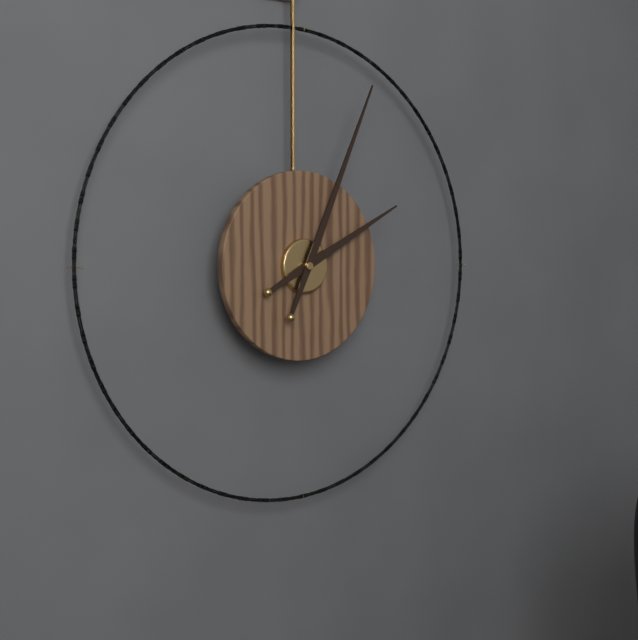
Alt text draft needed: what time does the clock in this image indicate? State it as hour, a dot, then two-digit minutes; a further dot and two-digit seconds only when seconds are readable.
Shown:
2.04
